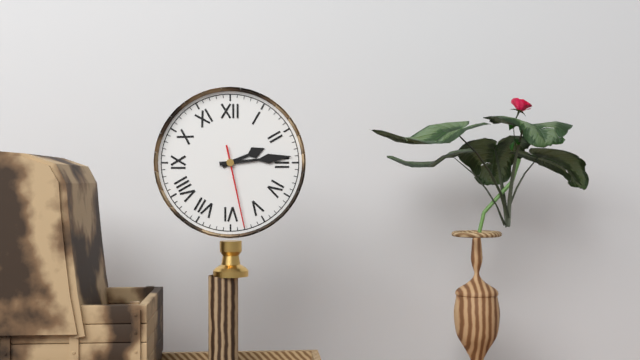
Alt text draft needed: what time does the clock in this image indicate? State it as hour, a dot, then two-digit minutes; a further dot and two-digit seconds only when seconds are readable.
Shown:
2.14.28
